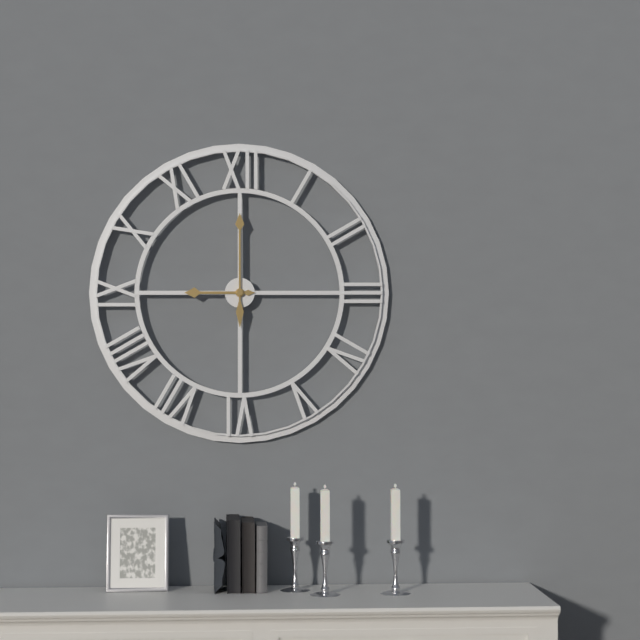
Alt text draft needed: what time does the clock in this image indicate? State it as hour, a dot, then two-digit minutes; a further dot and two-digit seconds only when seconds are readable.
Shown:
9.00
